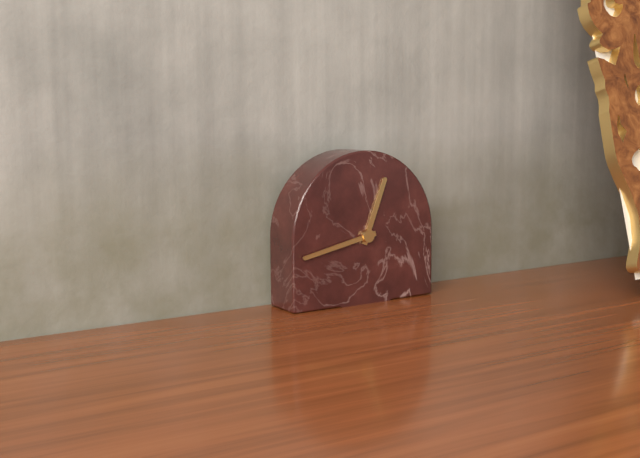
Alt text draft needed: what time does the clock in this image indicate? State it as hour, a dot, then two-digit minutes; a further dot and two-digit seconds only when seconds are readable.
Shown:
12.43
